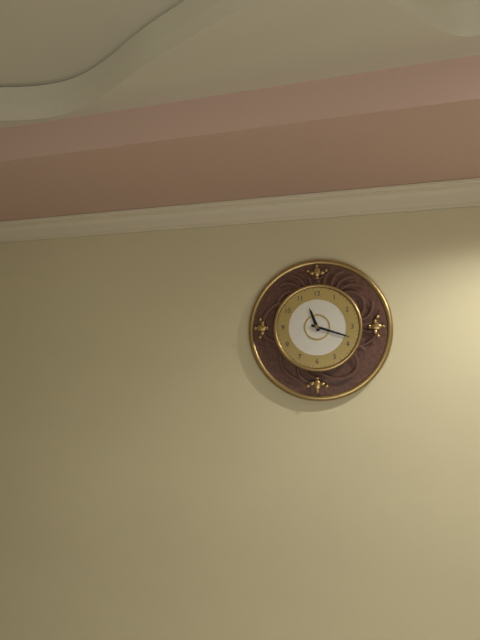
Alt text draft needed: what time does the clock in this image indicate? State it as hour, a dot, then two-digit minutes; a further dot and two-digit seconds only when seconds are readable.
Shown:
11.18
